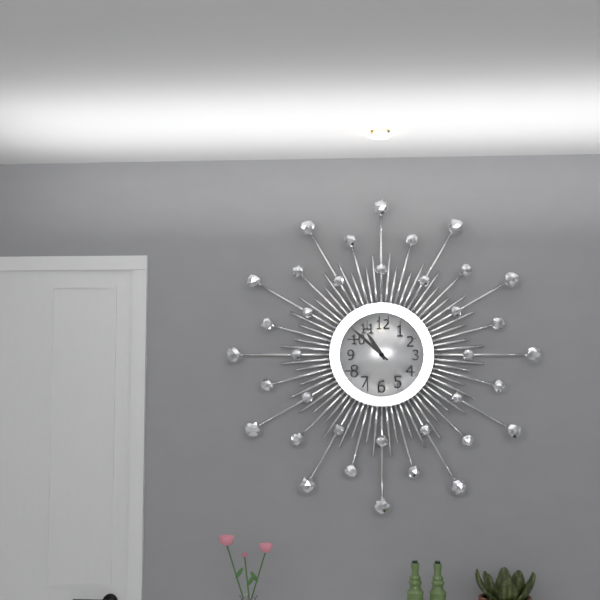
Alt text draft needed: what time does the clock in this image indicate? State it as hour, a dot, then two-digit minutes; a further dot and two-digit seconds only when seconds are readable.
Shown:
10.52
